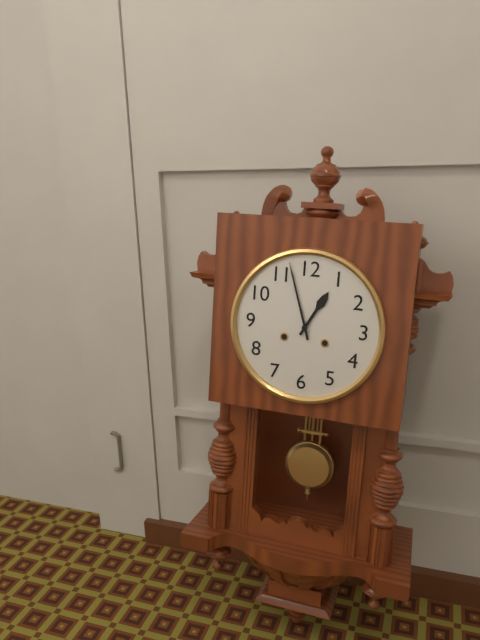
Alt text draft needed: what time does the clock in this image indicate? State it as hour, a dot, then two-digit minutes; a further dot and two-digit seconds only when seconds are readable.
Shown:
12.57
